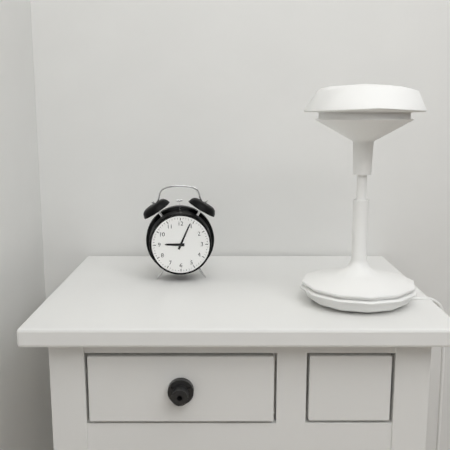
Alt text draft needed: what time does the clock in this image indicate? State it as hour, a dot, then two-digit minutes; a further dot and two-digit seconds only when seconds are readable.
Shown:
9.04
